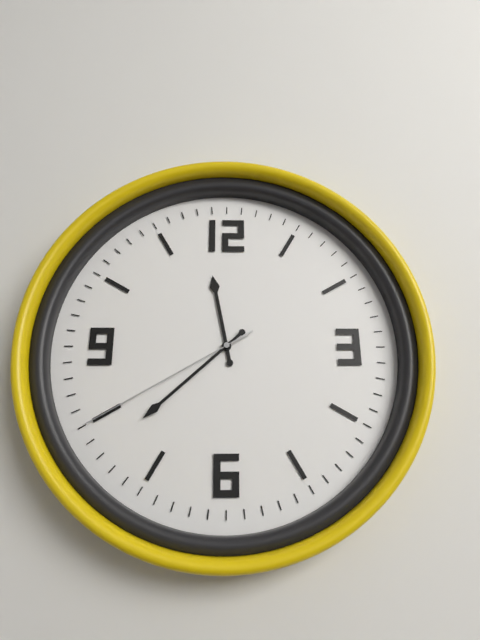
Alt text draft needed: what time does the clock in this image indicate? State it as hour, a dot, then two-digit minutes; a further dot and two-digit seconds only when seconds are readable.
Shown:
11.38.40
